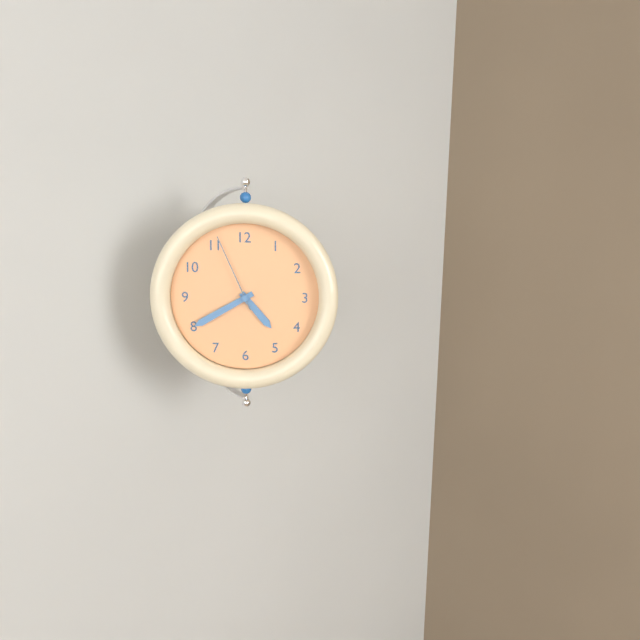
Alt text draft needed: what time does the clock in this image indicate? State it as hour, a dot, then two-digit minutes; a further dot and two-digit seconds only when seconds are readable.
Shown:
4.40.56
